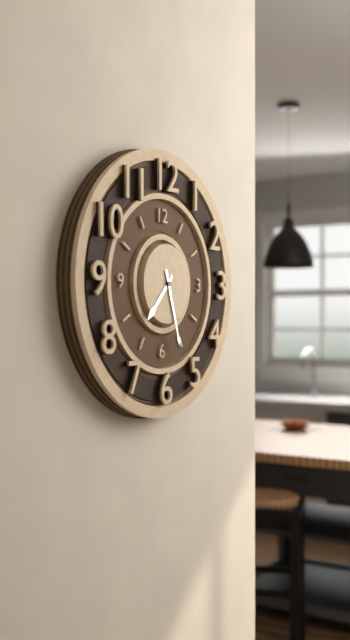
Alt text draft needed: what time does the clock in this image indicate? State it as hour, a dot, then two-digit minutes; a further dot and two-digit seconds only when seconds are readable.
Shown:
7.27
